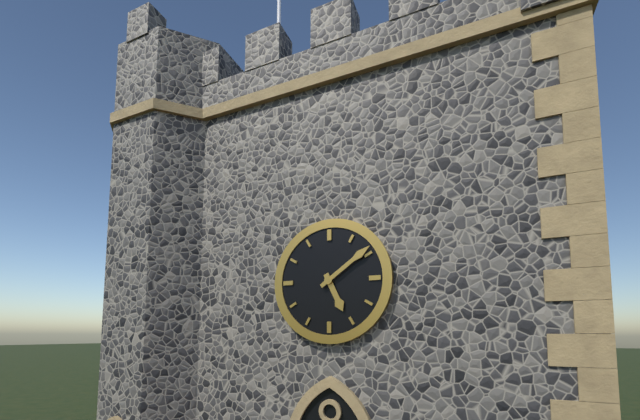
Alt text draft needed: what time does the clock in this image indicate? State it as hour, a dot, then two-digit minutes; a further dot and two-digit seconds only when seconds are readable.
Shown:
5.09
